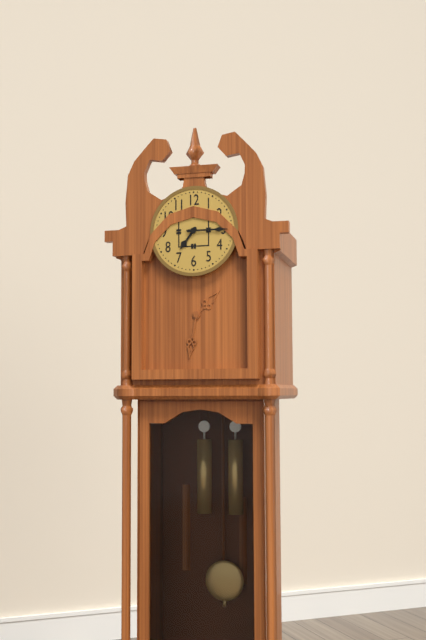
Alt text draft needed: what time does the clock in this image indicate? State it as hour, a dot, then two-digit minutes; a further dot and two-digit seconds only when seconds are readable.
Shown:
7.15
